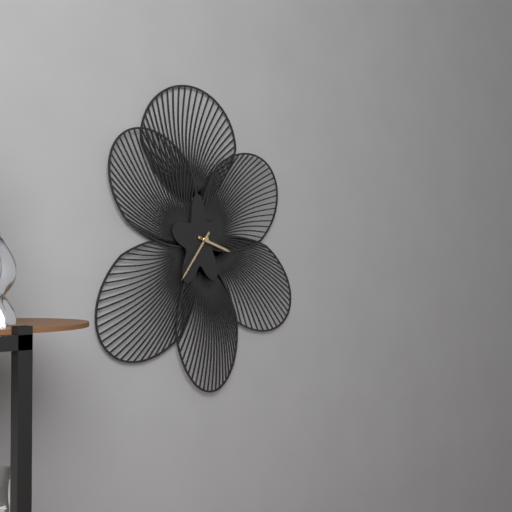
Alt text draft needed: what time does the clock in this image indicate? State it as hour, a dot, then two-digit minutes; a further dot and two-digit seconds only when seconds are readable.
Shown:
3.36
